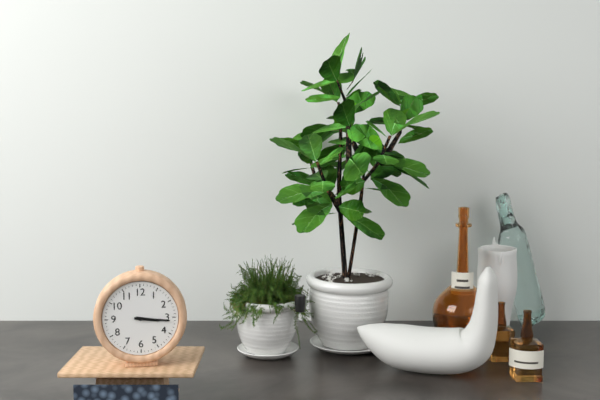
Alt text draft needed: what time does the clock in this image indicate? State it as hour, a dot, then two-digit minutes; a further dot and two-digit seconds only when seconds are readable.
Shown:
3.16
